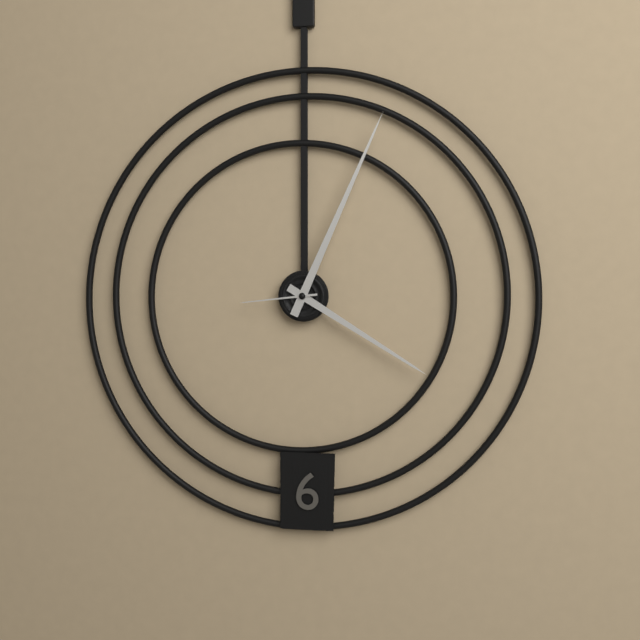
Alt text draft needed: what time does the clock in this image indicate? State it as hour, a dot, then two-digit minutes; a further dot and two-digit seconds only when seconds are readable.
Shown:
4.04.44
